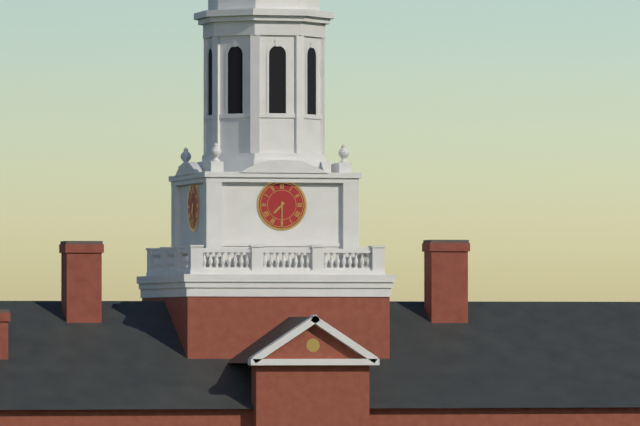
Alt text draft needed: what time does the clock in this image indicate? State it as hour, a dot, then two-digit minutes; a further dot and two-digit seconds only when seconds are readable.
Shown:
7.30
